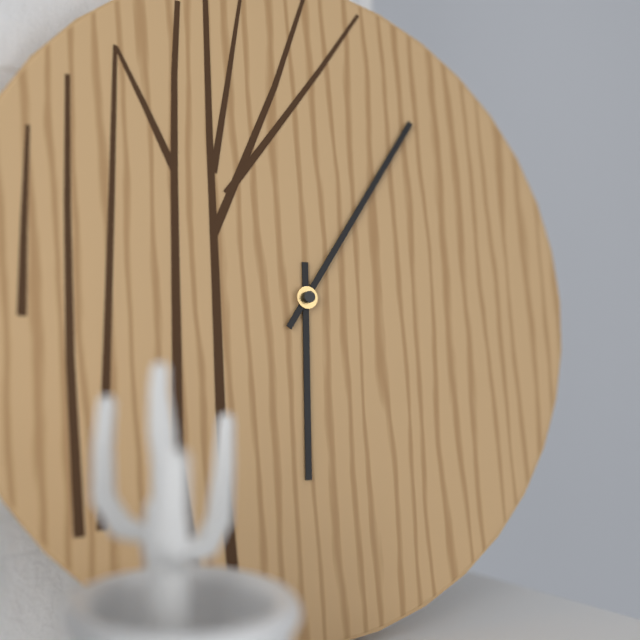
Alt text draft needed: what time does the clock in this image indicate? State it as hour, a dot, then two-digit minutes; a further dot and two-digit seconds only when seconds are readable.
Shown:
6.06
